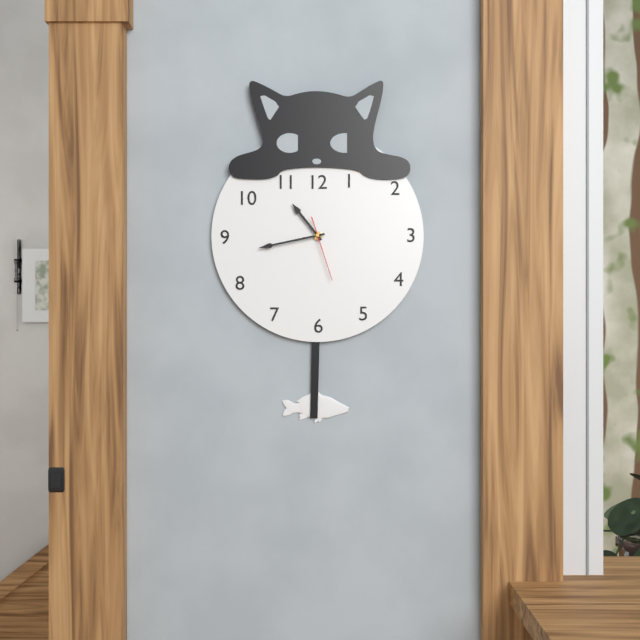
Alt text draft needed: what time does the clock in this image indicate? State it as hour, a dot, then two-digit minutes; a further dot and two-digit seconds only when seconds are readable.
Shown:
10.43.27
